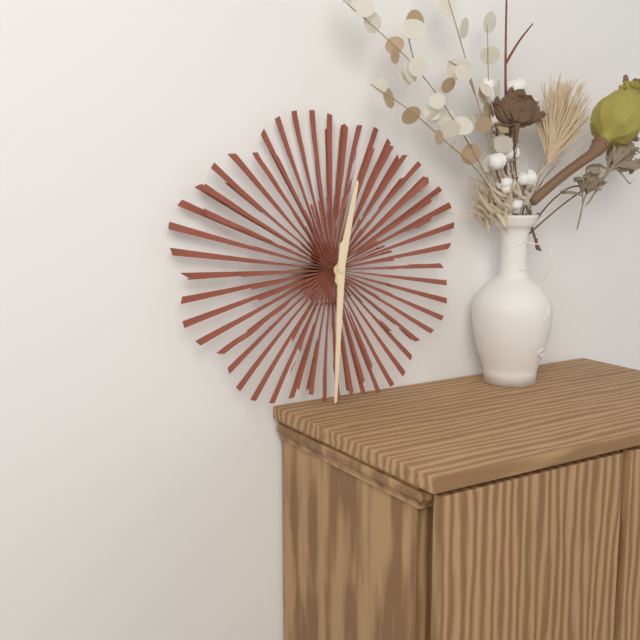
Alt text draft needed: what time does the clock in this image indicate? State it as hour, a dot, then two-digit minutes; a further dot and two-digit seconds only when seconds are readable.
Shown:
12.31
